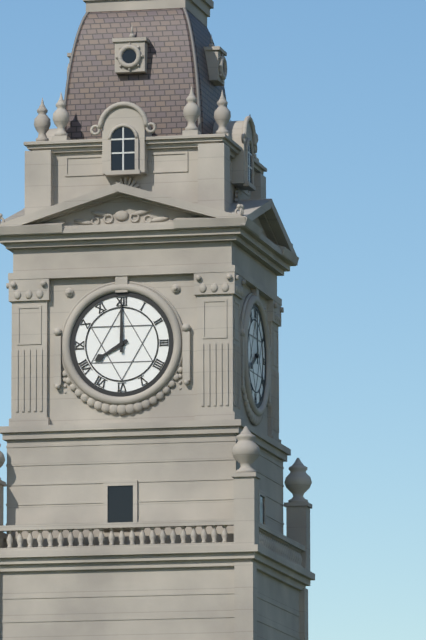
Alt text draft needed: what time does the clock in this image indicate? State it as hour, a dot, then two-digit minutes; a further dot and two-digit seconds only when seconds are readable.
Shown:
8.00
